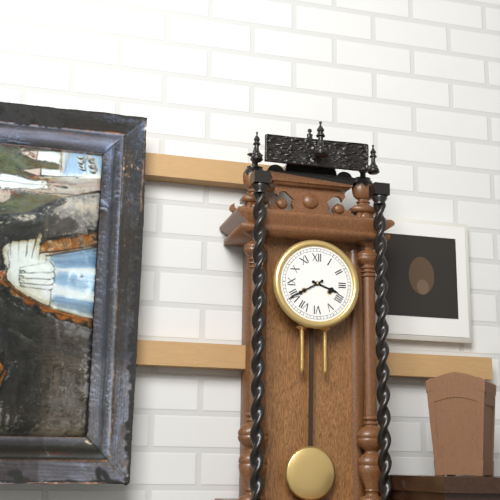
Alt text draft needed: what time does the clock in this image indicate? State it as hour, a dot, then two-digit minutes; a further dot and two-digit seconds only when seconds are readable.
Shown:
3.40
